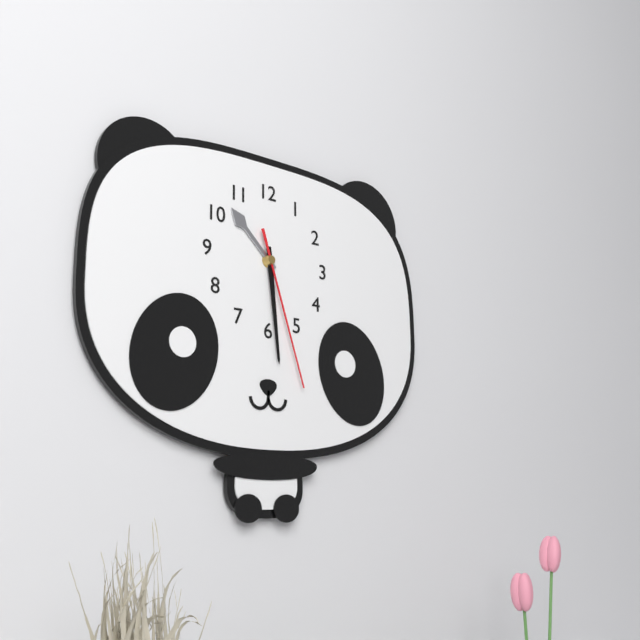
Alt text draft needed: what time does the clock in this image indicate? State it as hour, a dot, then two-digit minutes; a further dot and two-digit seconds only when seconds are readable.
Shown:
10.29.27
